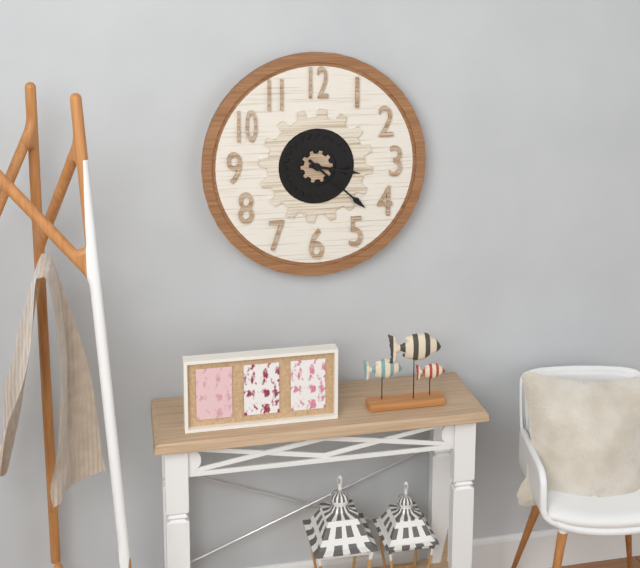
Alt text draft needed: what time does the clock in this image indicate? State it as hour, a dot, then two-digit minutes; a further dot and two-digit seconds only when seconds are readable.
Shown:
3.22
